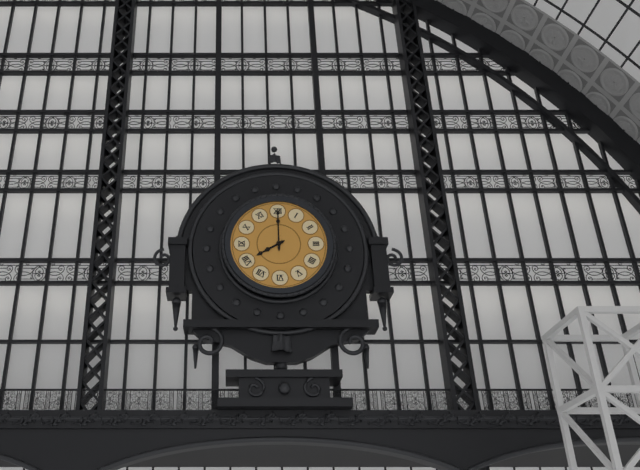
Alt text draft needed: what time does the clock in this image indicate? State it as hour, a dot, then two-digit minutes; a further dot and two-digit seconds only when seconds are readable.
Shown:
8.00
